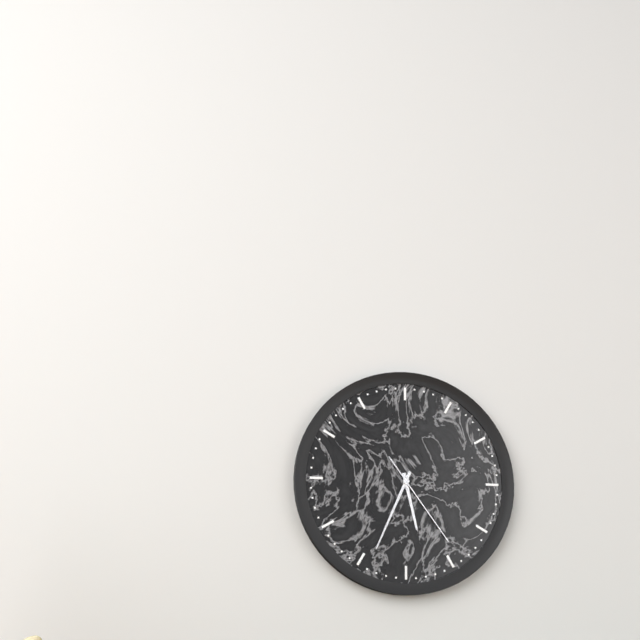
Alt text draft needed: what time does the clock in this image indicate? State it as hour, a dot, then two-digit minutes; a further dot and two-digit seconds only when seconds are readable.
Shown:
5.34.24
